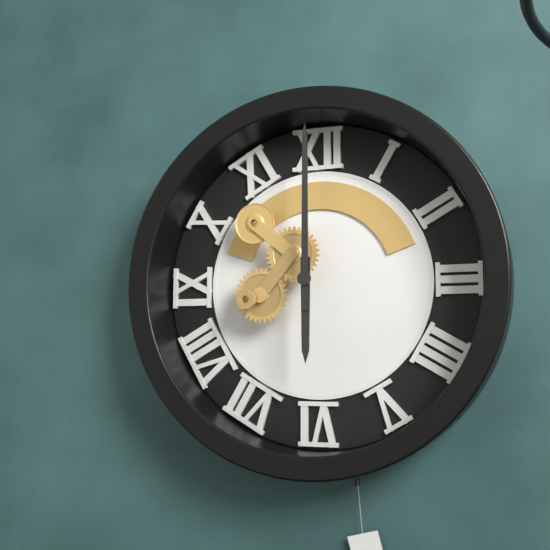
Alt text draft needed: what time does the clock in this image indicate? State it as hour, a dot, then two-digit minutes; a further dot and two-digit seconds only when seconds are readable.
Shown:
6.00
